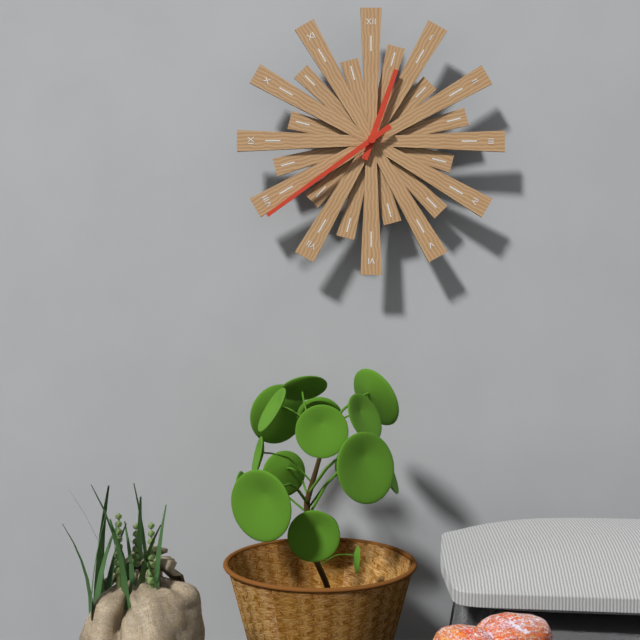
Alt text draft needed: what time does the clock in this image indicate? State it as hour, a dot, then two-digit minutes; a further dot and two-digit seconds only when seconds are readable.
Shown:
12.39
